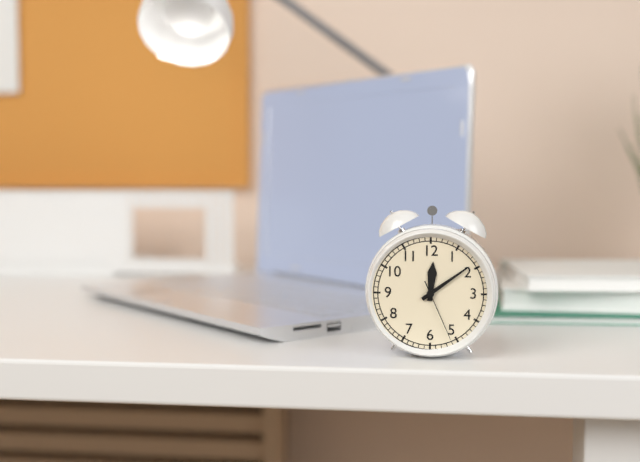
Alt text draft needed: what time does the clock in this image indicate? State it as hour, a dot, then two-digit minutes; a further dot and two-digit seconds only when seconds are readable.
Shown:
12.09.26
